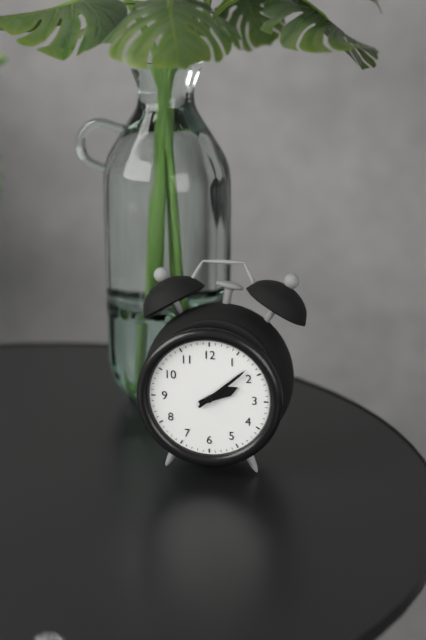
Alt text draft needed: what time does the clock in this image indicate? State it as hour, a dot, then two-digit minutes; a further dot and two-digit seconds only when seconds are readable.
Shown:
2.08
